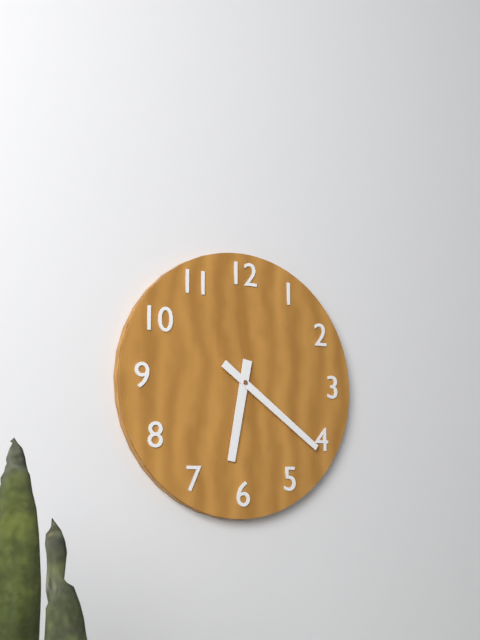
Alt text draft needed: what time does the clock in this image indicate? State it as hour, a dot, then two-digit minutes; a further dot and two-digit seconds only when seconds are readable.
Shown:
6.21
